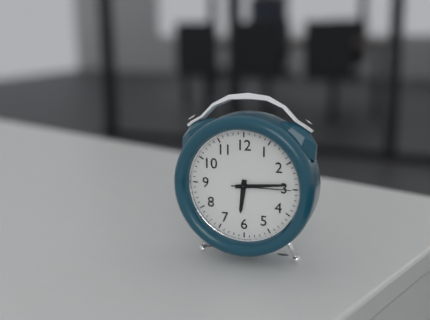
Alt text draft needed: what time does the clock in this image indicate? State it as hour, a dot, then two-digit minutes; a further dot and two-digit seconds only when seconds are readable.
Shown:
6.14.15
